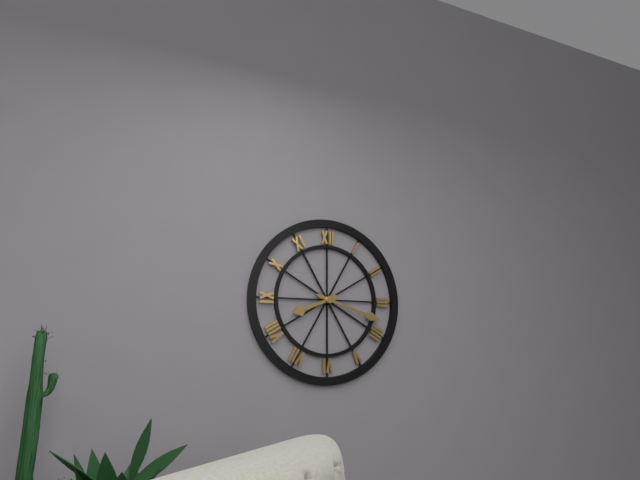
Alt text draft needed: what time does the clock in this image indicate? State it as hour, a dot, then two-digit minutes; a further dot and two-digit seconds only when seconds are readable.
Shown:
8.18
